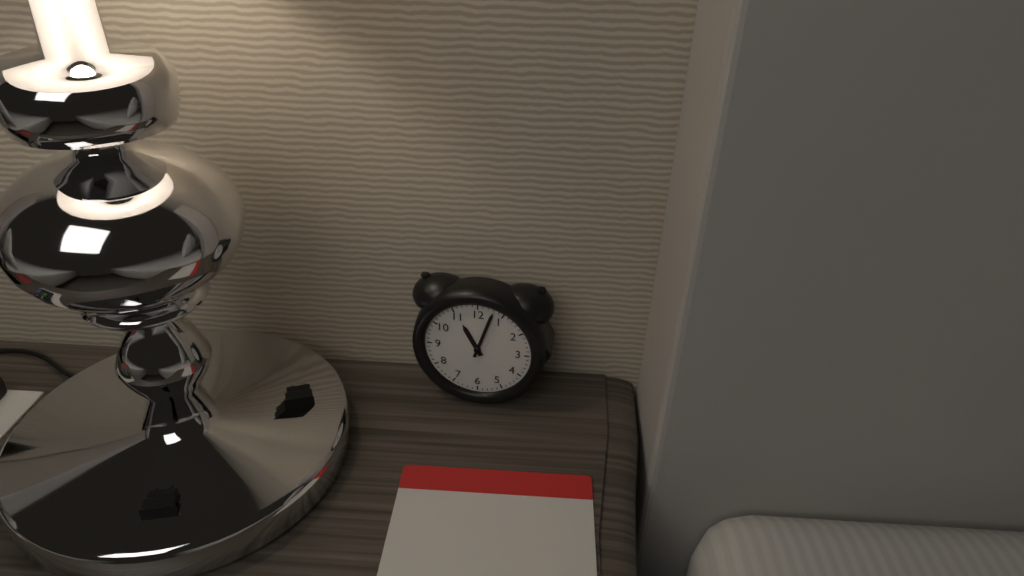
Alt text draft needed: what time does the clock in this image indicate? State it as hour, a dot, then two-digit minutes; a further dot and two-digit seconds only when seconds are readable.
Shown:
11.03
